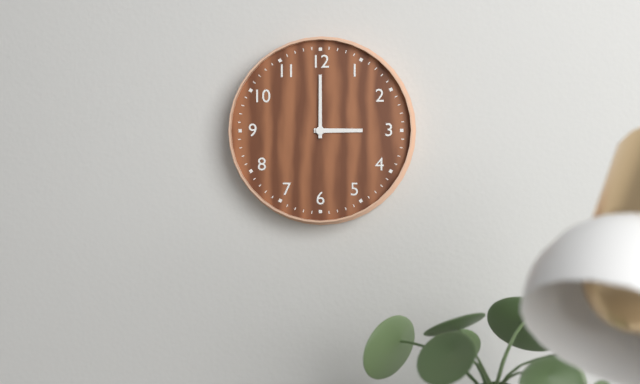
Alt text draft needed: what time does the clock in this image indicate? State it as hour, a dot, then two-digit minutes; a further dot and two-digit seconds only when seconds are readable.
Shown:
3.00
